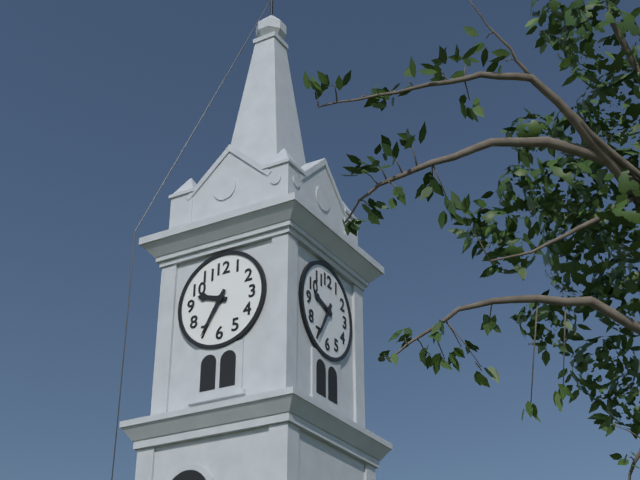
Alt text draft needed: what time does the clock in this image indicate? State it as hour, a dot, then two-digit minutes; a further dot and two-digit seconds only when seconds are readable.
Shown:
9.35
